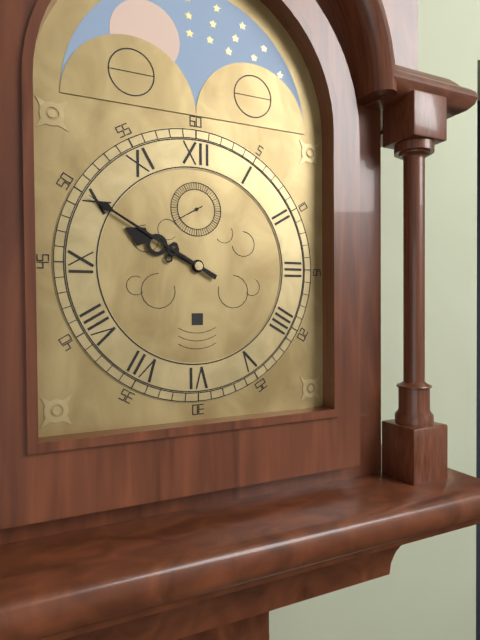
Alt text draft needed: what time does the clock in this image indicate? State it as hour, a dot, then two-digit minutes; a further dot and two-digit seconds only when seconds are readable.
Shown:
9.50
